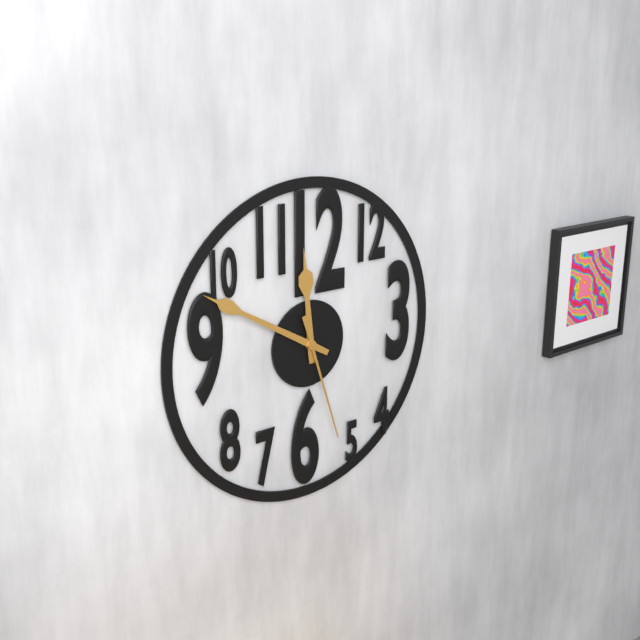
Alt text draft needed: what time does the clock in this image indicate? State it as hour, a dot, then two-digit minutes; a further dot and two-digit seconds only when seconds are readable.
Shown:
11.50.27
